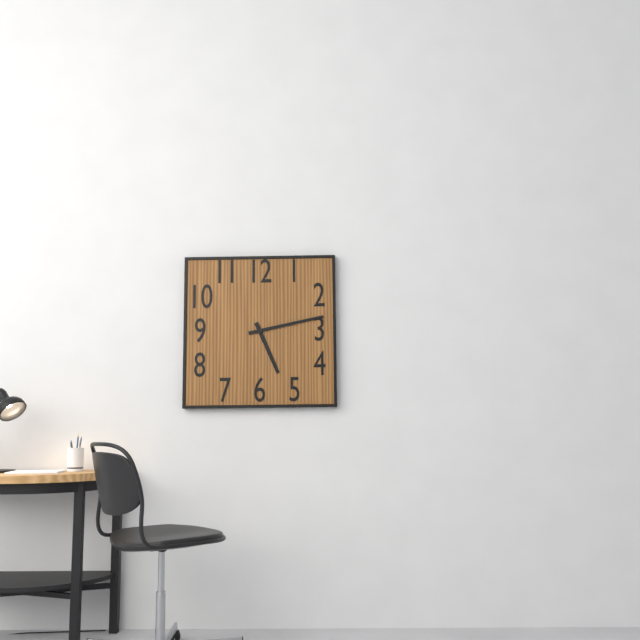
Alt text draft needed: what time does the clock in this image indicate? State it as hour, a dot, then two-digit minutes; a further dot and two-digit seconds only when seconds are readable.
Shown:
5.13
